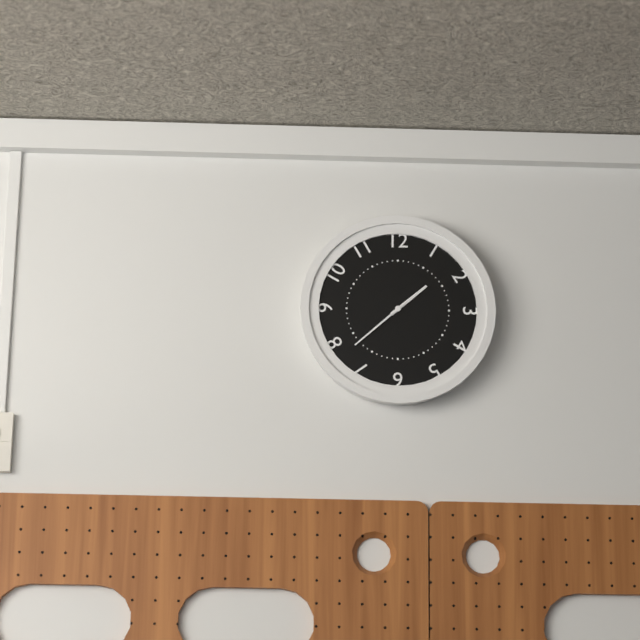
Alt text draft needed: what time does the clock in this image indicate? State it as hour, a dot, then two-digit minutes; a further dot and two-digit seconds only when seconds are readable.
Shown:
1.38
